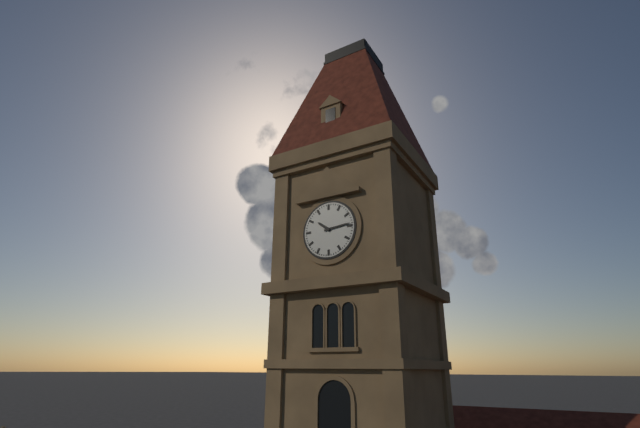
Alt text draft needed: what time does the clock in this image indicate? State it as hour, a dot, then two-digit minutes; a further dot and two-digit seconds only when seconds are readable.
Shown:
10.14
